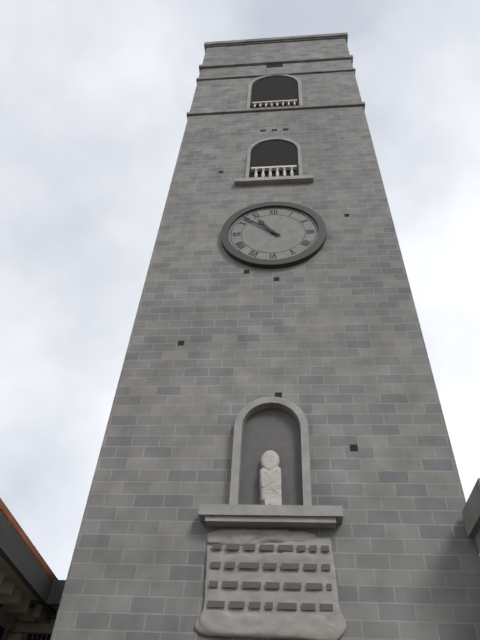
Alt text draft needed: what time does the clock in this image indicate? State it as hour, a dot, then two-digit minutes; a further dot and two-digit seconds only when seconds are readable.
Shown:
10.52
